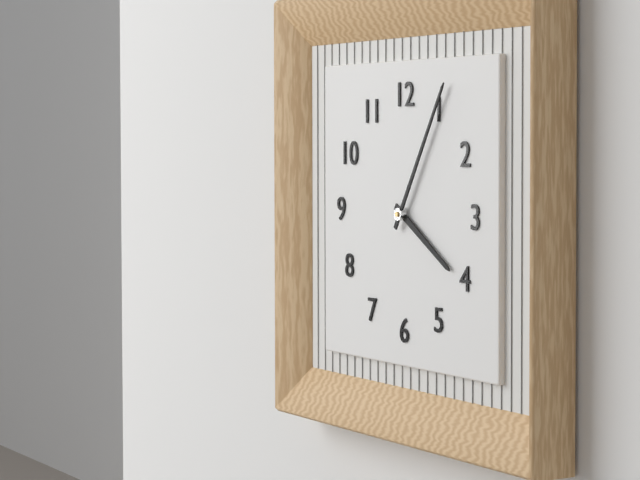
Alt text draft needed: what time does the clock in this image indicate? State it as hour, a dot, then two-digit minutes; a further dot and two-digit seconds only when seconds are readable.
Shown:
4.05
